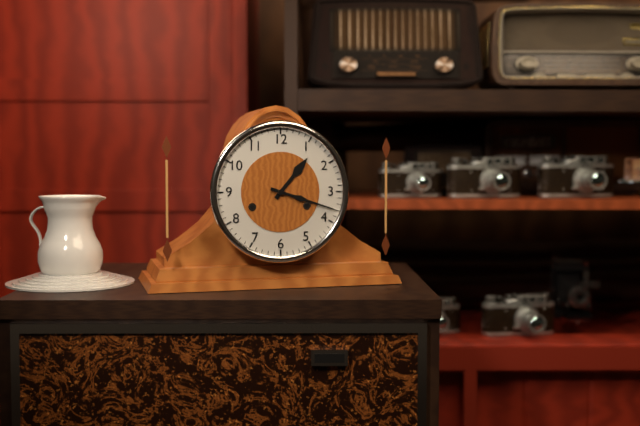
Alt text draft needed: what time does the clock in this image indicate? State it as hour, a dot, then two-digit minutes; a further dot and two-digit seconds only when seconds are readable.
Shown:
1.18
